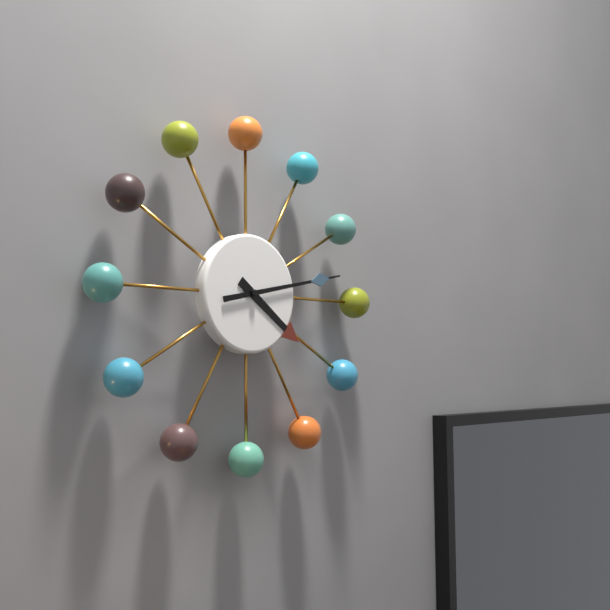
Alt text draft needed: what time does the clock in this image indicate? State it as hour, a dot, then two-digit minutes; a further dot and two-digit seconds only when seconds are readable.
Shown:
4.13
